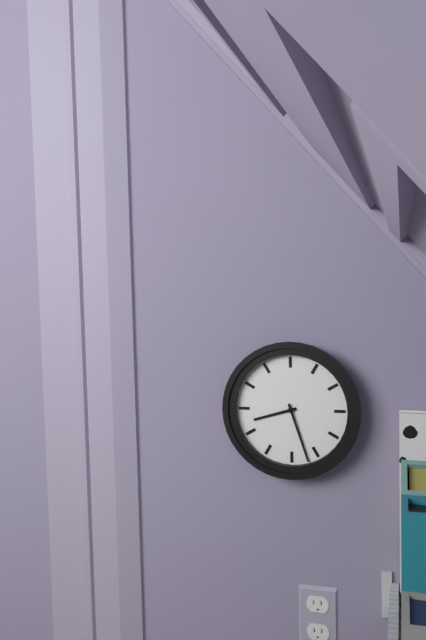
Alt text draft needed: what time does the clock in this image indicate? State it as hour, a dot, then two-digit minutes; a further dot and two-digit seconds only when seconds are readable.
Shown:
8.27
